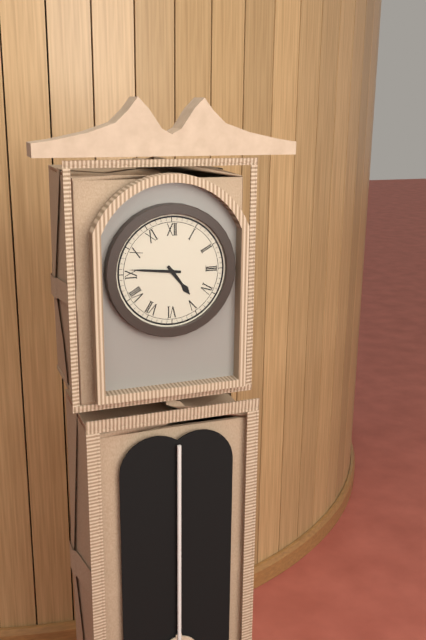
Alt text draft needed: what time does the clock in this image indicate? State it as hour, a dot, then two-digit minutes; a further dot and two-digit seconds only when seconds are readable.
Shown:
4.46
